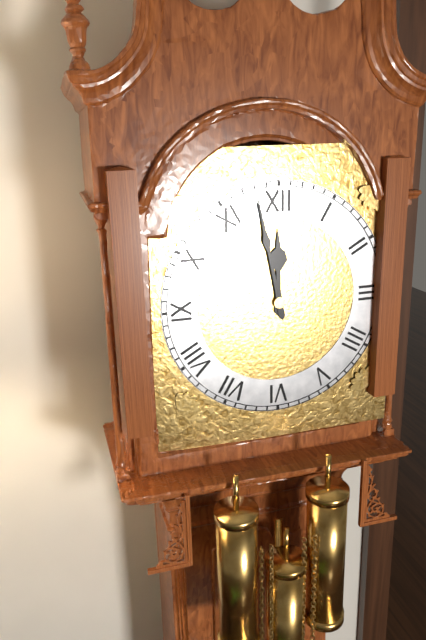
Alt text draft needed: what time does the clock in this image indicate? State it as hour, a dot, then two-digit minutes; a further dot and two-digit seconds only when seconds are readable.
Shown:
11.58
